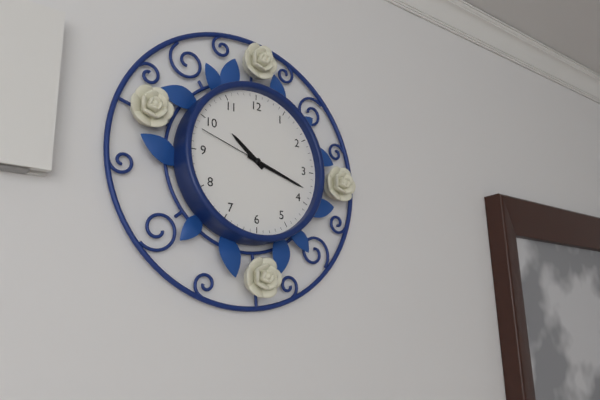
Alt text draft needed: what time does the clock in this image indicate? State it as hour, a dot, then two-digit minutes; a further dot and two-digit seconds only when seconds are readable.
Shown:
10.18.48
